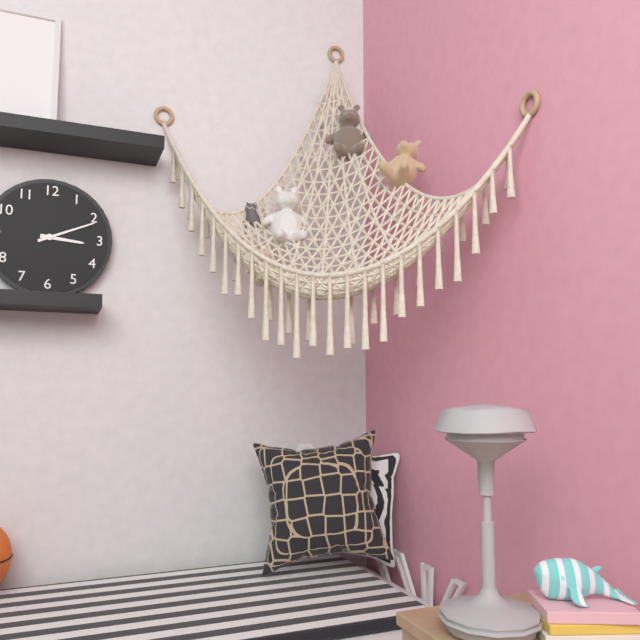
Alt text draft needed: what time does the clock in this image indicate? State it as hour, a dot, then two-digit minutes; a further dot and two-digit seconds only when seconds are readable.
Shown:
3.11
